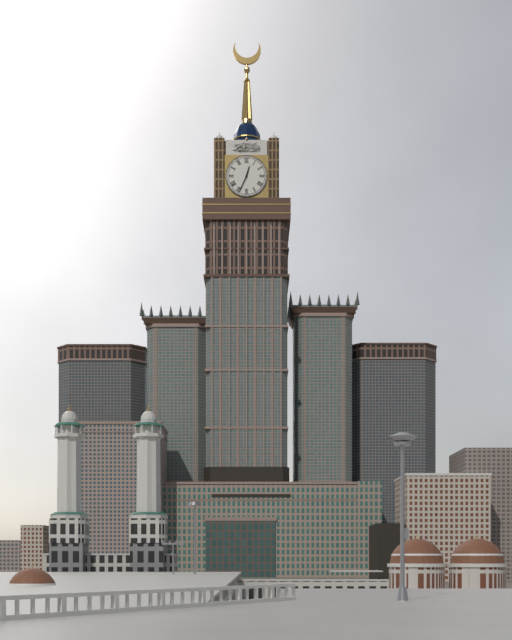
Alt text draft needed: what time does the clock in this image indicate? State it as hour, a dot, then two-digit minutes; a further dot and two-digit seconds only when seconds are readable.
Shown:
12.34
